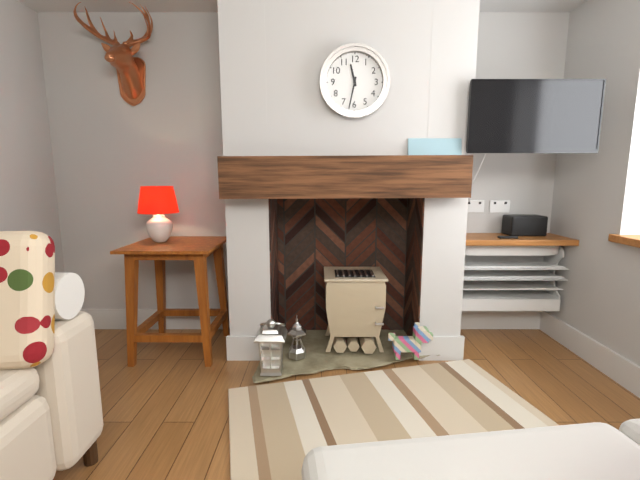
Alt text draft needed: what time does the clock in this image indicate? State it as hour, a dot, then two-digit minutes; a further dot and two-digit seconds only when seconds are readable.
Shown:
11.32
